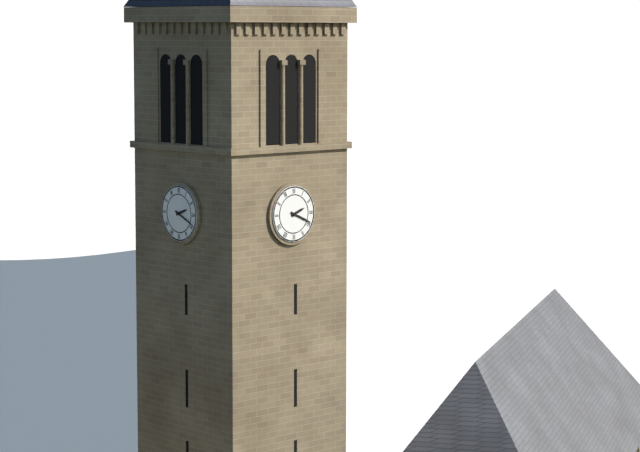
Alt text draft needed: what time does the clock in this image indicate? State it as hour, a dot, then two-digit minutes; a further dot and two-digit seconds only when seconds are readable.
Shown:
2.19
